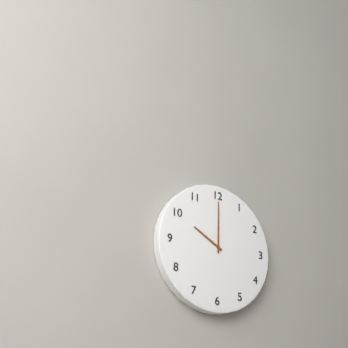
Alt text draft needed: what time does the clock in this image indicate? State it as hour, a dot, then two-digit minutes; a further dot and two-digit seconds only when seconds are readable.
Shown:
10.00
